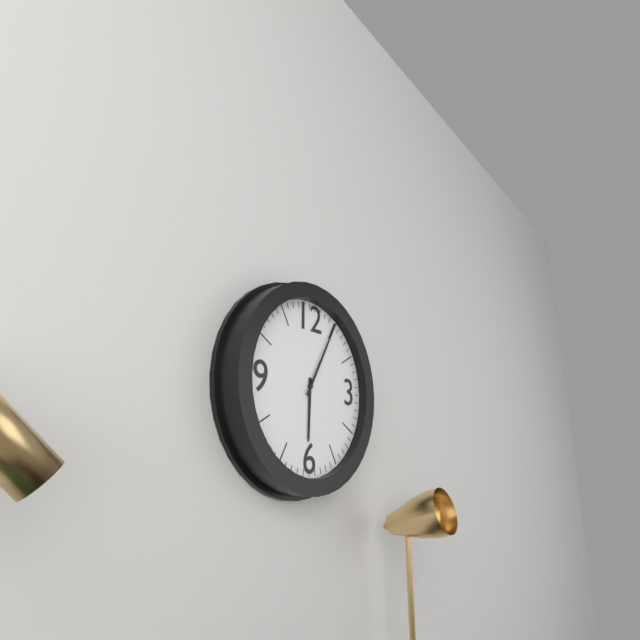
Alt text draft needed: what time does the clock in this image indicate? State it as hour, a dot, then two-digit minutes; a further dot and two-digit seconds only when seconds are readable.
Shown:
6.05
